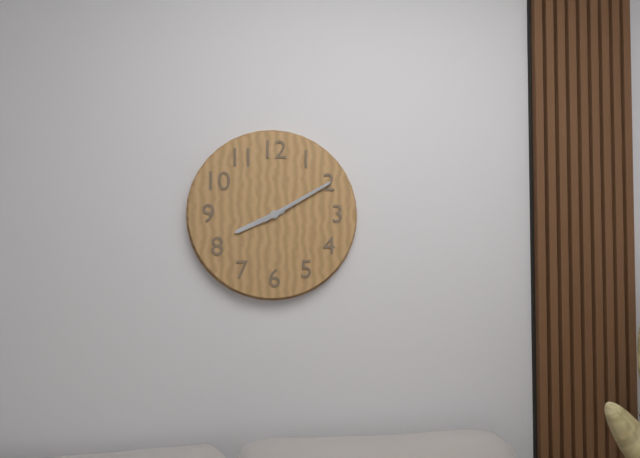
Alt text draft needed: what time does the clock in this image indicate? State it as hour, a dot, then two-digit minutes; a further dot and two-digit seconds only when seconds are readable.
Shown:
8.10
